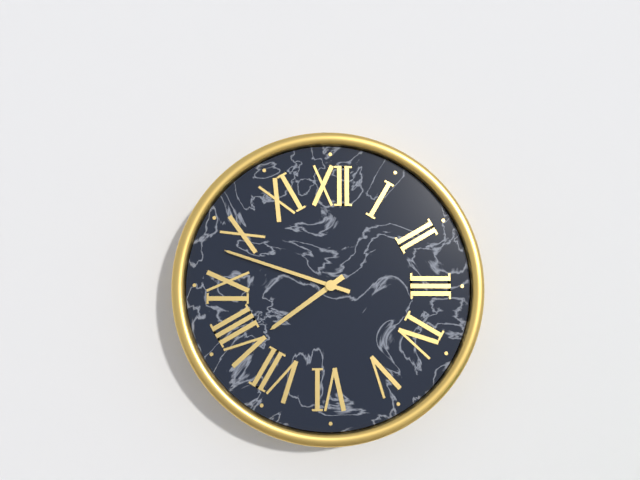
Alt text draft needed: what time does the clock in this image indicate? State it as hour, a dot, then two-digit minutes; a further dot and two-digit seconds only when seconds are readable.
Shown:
7.48
